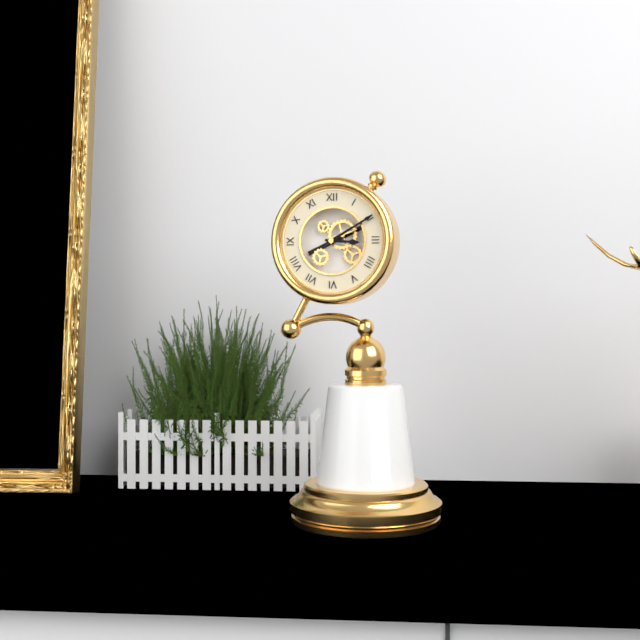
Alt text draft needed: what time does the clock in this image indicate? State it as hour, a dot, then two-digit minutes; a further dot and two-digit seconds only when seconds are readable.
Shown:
3.10
